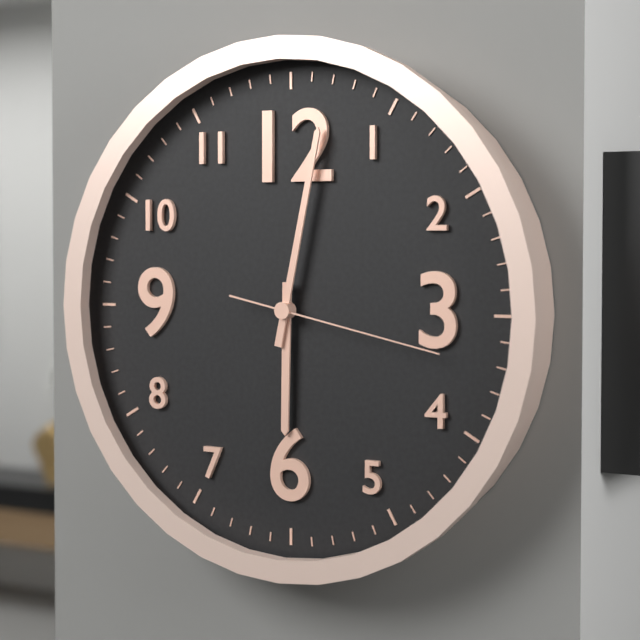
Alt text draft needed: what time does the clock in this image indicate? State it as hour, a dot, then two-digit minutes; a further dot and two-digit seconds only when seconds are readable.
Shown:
6.02.17
